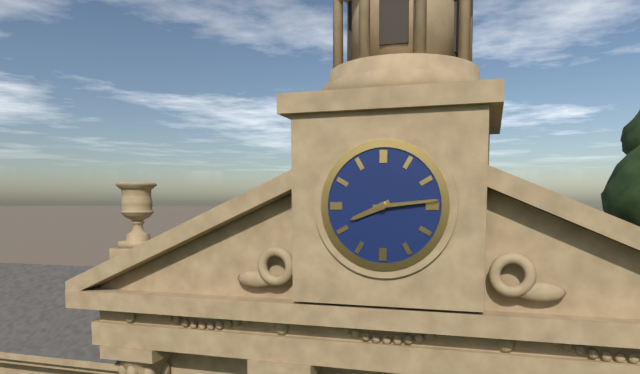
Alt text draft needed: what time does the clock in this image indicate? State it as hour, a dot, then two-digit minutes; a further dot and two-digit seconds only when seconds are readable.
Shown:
8.14
